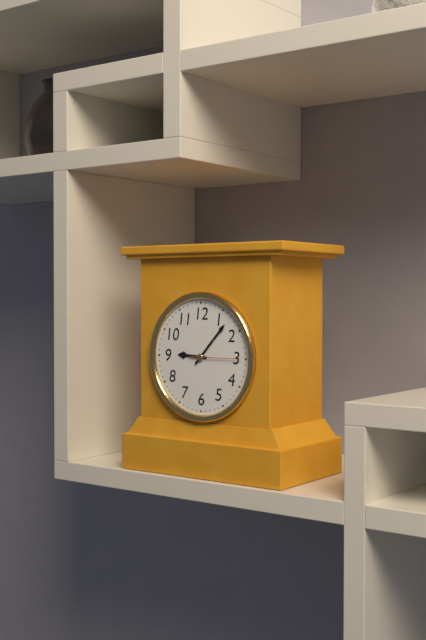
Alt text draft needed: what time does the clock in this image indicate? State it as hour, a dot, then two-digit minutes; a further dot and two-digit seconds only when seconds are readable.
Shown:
9.07.15
